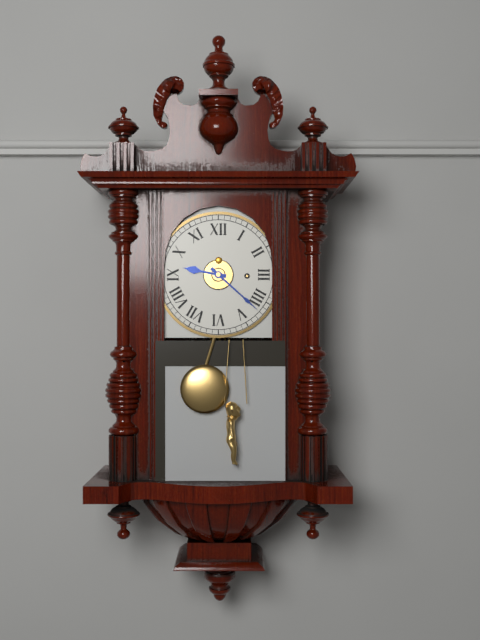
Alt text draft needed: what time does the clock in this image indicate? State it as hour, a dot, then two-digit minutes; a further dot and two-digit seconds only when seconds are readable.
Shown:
9.22
